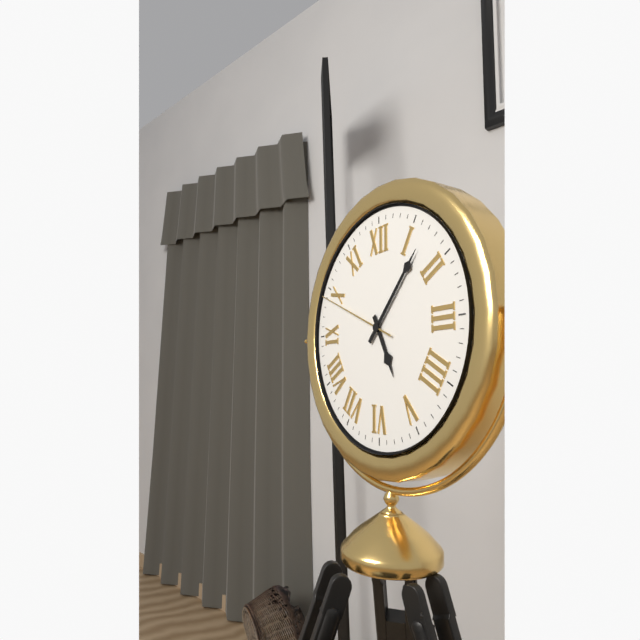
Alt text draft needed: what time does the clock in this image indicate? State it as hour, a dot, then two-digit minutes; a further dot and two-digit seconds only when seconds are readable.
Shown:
5.07.49
